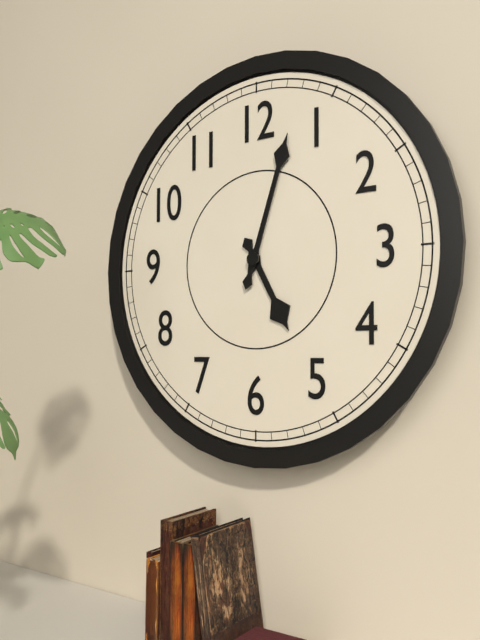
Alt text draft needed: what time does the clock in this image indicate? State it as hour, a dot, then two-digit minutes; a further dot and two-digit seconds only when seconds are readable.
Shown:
5.03
